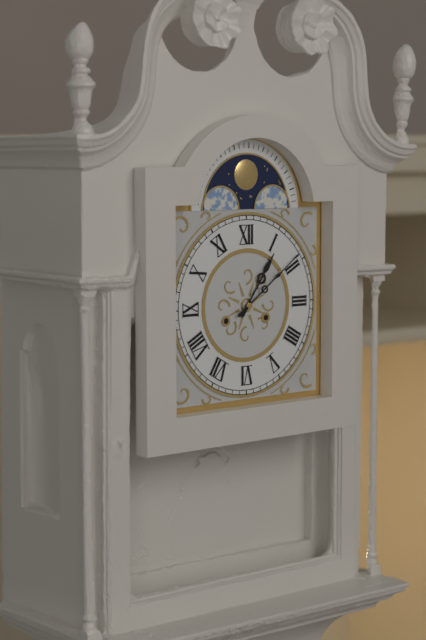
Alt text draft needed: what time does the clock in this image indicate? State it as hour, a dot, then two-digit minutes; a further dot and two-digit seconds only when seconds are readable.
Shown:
1.09
